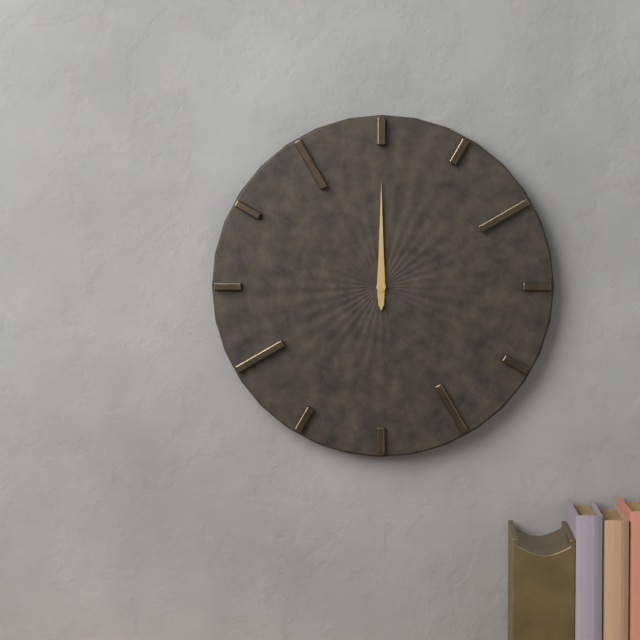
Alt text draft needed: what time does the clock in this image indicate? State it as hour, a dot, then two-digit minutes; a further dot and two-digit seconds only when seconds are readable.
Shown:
12.00
